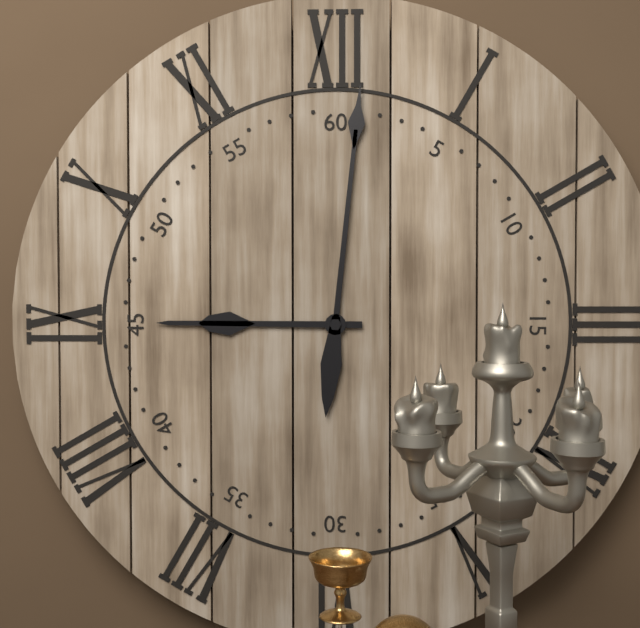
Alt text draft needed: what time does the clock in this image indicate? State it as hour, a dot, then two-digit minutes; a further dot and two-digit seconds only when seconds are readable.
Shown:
9.01
